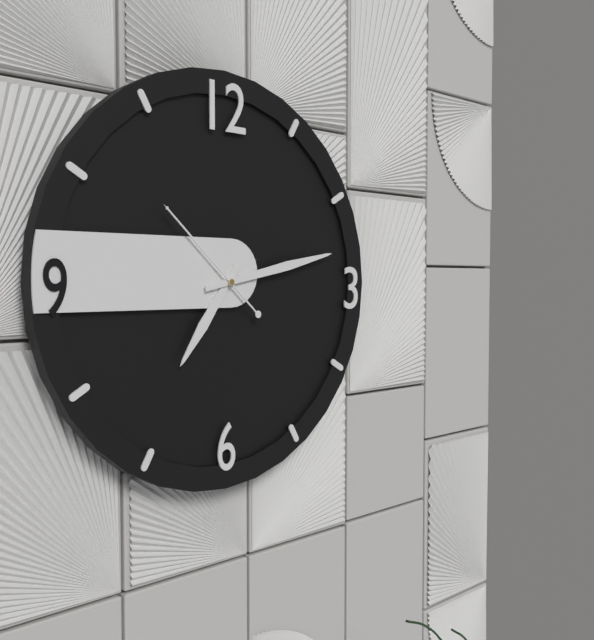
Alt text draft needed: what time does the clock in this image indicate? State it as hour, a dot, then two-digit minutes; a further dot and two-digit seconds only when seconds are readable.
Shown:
7.13.52
